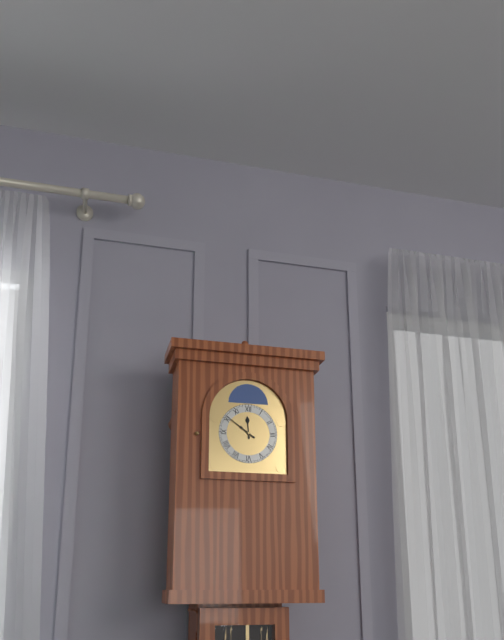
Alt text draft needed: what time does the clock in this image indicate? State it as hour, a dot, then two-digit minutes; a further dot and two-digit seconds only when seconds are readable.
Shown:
11.51
